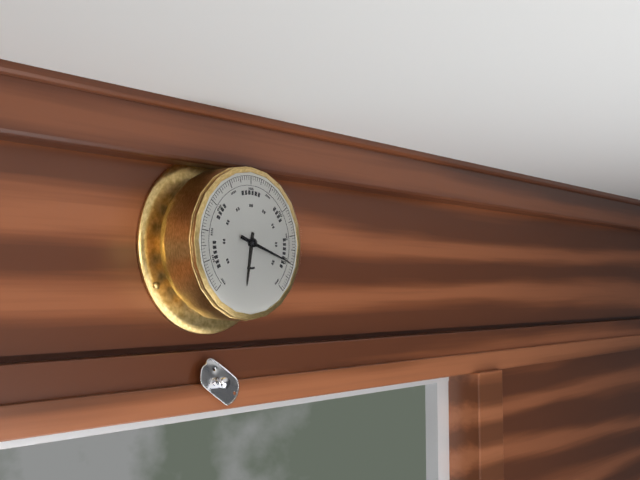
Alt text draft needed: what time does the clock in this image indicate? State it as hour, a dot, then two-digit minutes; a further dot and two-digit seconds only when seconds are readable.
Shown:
6.18
